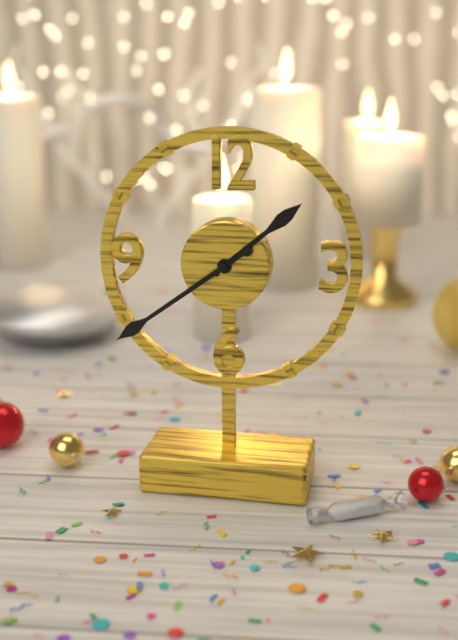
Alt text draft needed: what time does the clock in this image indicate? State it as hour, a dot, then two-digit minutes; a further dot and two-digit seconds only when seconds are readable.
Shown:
1.39
